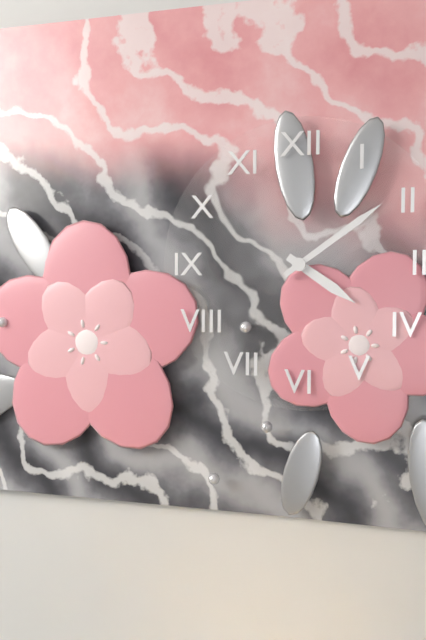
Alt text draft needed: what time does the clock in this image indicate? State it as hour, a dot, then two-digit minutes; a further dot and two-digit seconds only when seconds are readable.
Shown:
4.09
